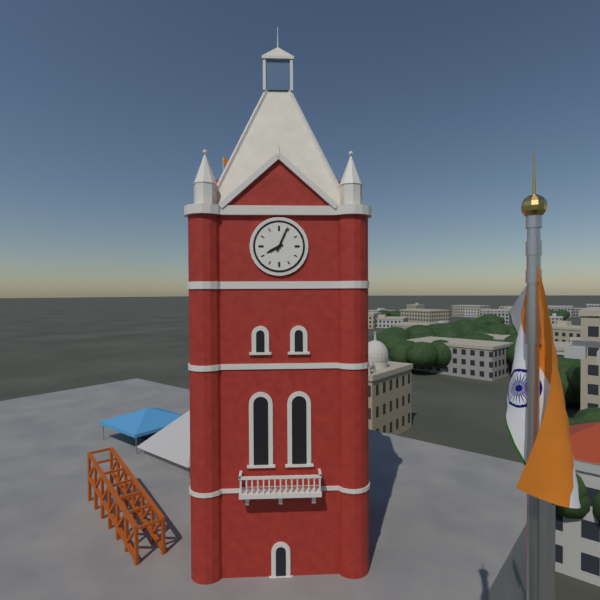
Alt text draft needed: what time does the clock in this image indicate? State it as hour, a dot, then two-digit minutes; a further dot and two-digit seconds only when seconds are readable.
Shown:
8.04
